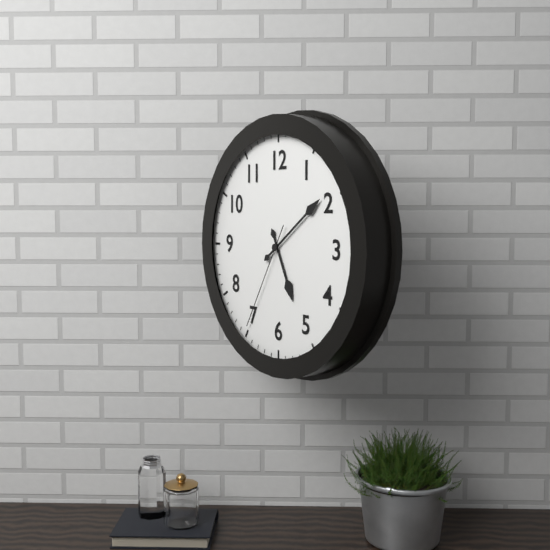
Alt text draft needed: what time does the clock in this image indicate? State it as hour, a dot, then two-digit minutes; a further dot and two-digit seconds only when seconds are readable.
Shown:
5.09.35
